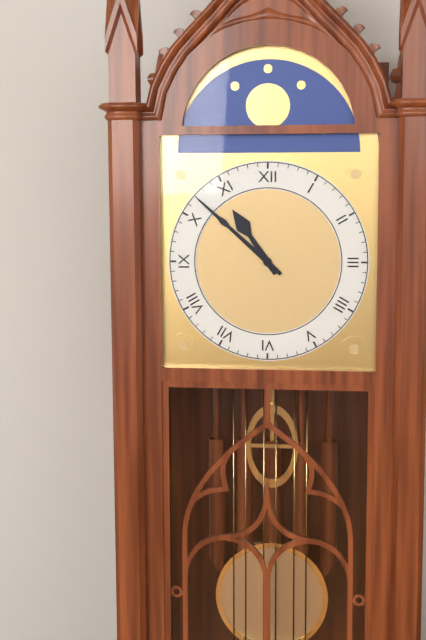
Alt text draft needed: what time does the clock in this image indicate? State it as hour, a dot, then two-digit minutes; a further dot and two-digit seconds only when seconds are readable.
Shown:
10.52
